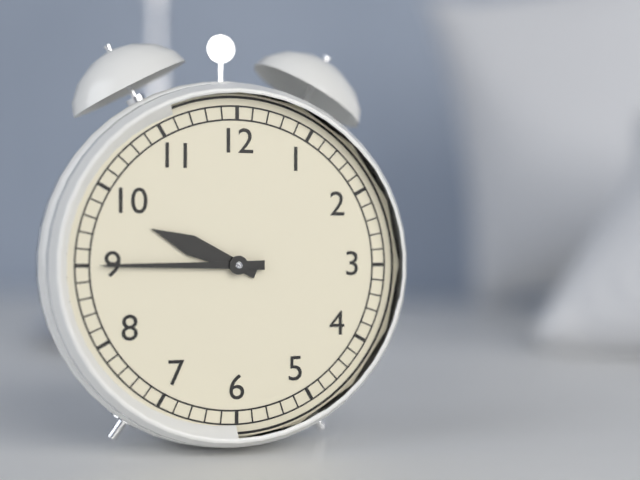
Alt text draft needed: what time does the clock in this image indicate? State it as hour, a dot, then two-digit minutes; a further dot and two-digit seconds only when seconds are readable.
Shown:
9.45
